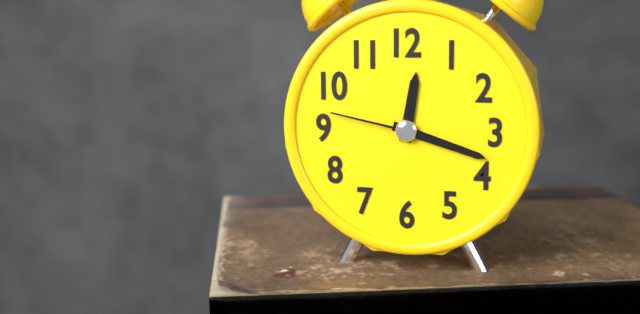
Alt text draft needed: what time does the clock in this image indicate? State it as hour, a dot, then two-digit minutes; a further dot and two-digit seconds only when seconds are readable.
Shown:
12.18.47
